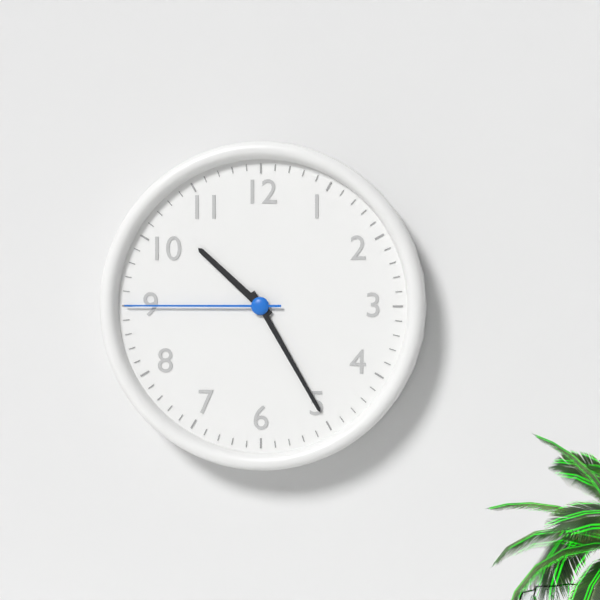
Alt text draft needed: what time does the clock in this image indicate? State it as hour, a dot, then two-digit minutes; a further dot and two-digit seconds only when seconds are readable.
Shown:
10.25.45
